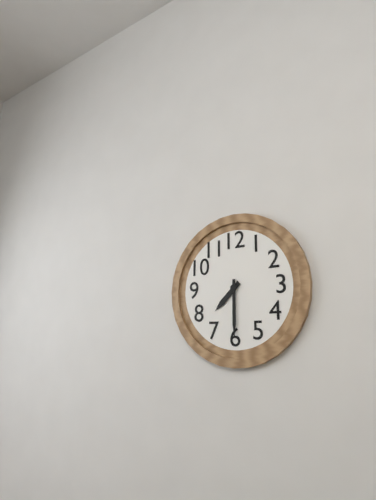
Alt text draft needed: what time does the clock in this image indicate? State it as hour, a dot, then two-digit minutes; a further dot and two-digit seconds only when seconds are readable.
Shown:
7.30
